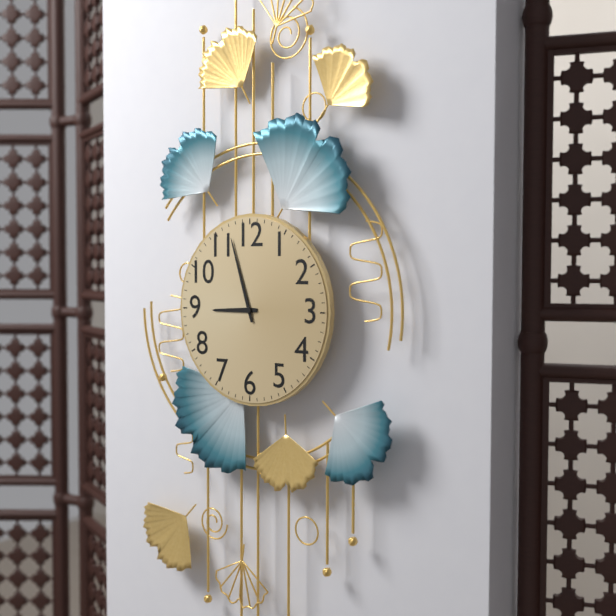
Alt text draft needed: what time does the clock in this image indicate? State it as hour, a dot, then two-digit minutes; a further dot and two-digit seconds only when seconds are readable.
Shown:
8.57
